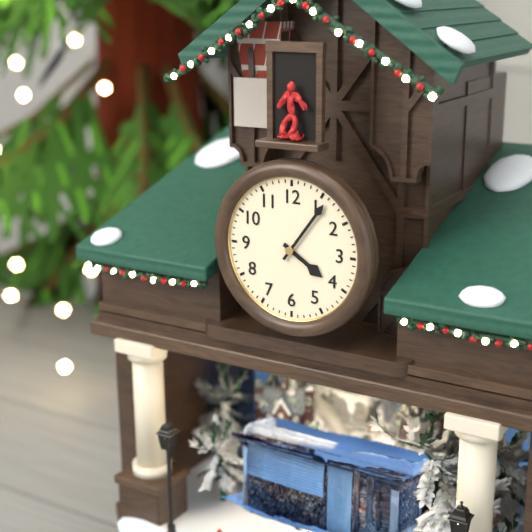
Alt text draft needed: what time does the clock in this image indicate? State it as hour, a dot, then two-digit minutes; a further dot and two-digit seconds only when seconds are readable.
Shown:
4.06
